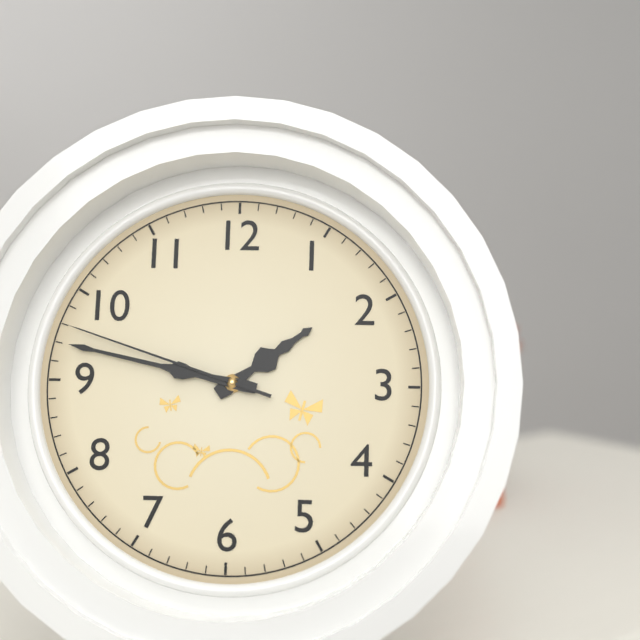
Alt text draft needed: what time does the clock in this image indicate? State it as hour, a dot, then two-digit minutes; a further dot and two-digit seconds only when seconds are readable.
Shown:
1.47.48
